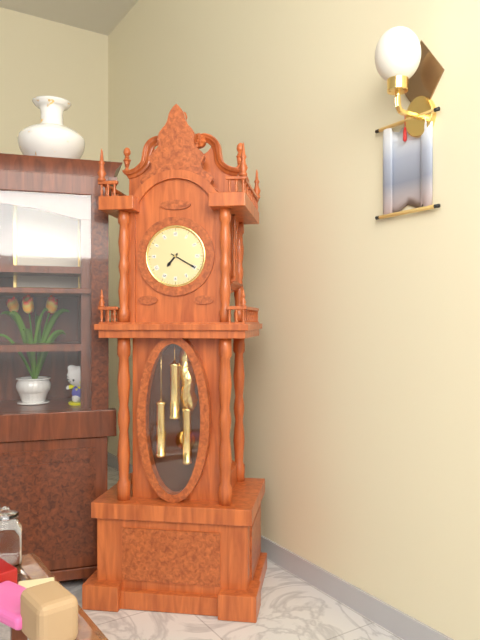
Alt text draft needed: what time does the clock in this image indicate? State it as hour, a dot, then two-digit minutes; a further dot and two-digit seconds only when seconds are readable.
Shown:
7.20
